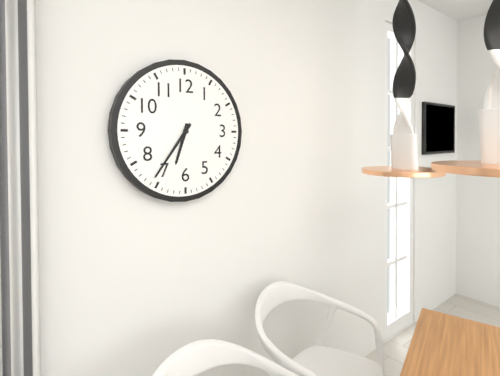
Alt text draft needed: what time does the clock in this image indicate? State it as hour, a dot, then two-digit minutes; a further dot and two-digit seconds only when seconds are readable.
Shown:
6.36
